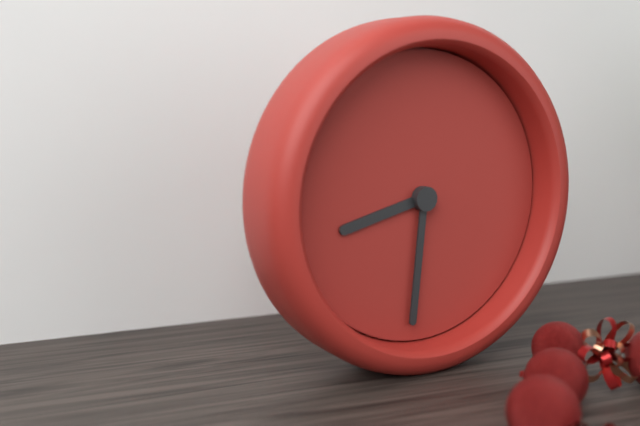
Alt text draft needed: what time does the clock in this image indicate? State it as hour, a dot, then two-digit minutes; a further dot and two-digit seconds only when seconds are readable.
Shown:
8.31
